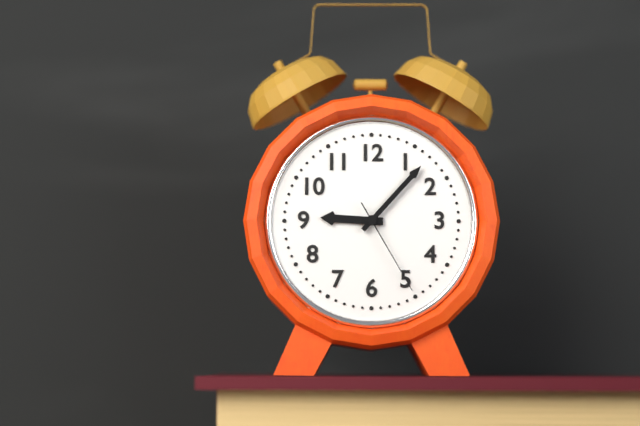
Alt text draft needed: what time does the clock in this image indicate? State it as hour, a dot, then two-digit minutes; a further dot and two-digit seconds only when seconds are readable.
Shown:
9.07.25
